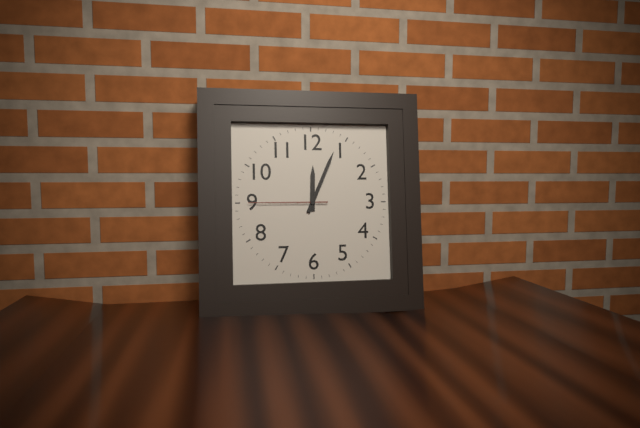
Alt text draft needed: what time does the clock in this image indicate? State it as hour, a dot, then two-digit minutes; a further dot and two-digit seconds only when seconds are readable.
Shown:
12.04.45
